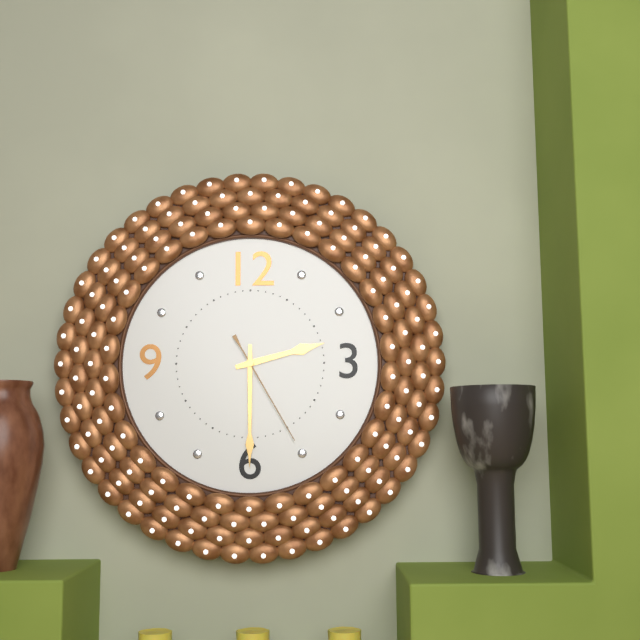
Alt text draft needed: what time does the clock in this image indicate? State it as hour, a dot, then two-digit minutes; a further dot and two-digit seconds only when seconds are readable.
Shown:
2.30.25
